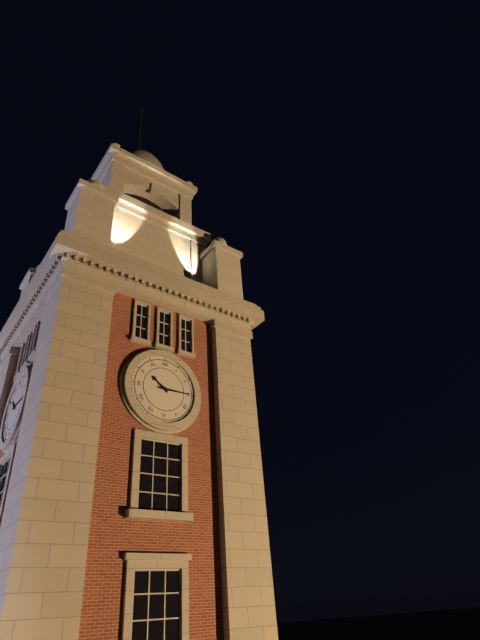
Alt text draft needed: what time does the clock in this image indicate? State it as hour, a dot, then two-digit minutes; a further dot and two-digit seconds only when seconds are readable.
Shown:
10.15
